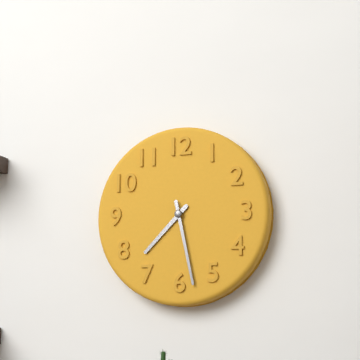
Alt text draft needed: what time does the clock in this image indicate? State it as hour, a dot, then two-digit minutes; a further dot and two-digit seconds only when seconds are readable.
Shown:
7.28
